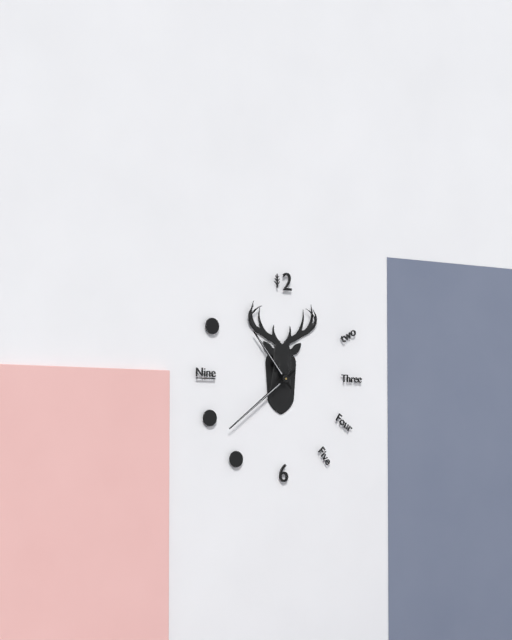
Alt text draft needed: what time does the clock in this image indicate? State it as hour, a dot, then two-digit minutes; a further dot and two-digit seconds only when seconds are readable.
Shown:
10.39
